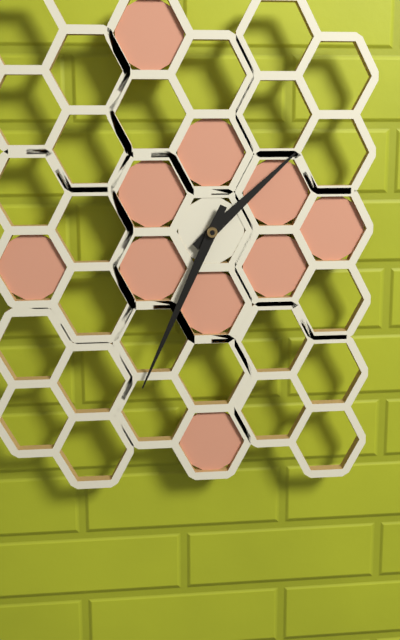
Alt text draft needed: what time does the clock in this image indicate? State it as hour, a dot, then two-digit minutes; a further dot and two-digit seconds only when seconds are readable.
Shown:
1.34
